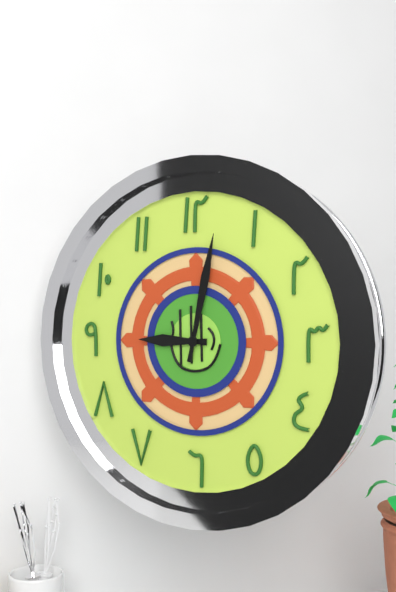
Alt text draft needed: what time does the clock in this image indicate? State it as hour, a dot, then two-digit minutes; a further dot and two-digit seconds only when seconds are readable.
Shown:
9.02
